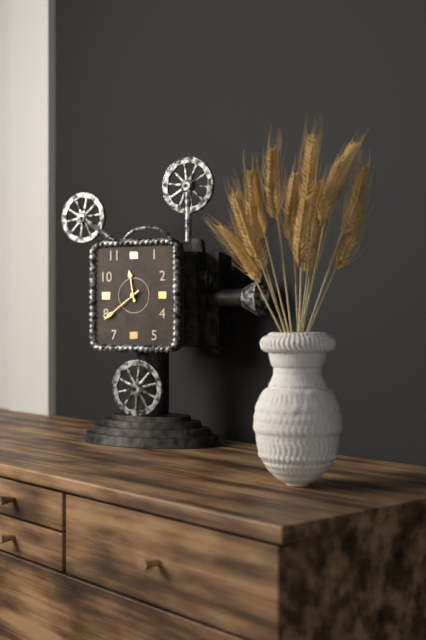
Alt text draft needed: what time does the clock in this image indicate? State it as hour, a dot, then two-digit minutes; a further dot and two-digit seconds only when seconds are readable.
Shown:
11.39
